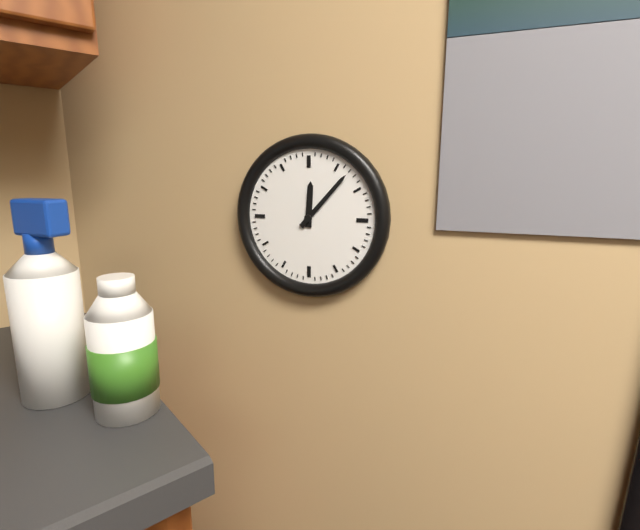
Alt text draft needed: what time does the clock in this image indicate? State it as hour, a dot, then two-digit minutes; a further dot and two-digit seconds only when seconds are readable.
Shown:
12.07
